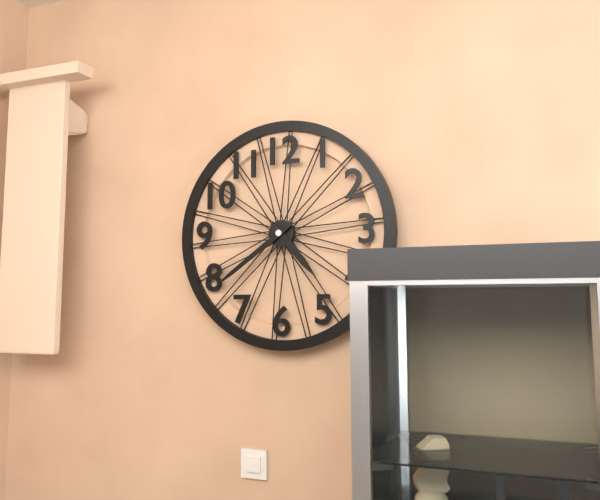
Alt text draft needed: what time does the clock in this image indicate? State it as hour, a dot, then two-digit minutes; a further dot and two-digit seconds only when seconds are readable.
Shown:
4.39
